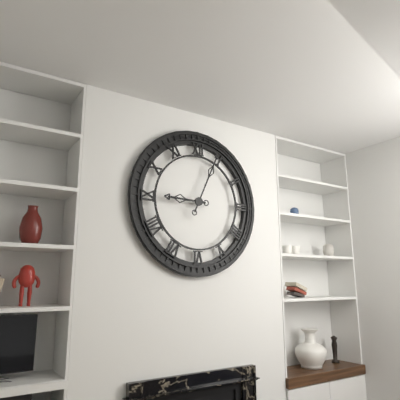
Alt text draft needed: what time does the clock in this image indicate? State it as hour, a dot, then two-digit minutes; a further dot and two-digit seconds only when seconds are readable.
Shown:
9.04
